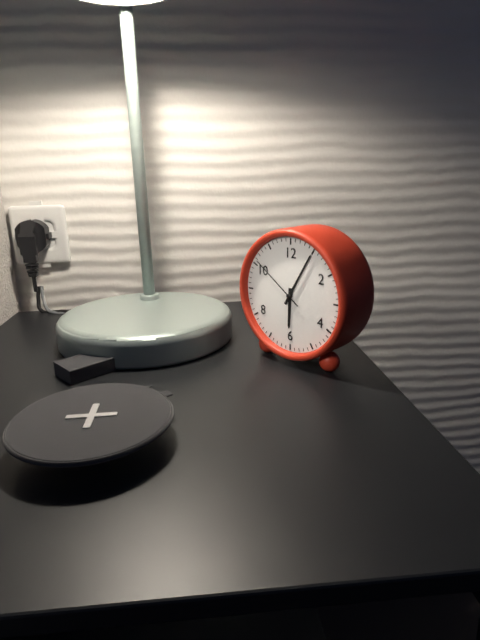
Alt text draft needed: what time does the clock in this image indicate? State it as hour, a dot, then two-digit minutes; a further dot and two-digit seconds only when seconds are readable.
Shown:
6.05.51
